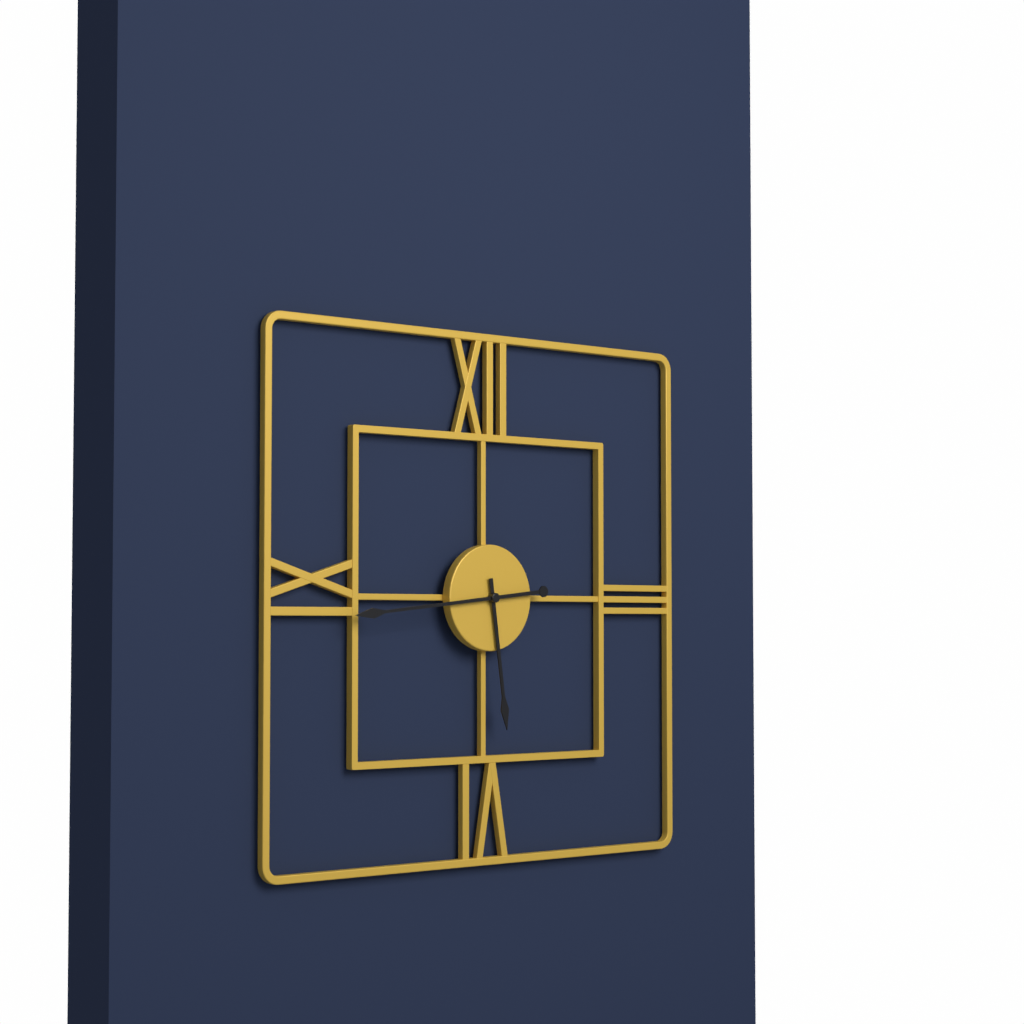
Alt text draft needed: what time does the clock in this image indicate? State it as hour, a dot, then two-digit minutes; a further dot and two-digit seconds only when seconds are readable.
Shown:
5.44
